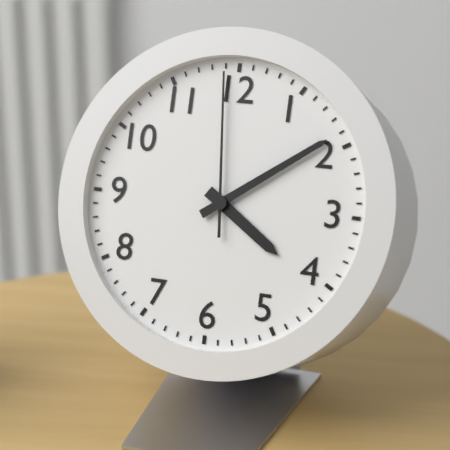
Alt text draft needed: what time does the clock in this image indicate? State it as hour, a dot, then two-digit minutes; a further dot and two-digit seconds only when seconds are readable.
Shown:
4.09.59
